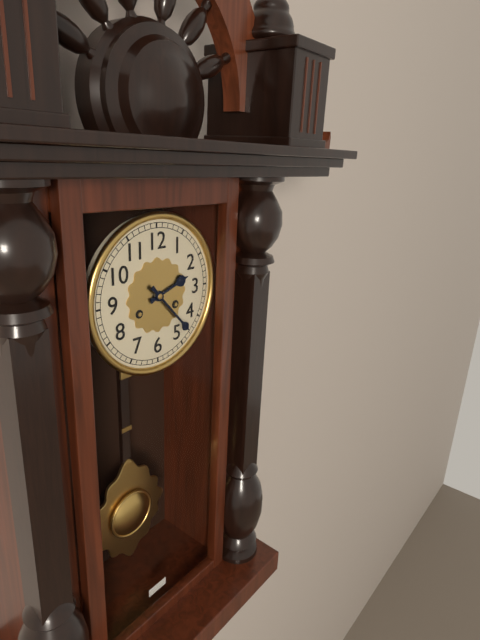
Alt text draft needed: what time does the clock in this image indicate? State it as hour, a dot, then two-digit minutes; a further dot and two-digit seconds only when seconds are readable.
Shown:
2.23
